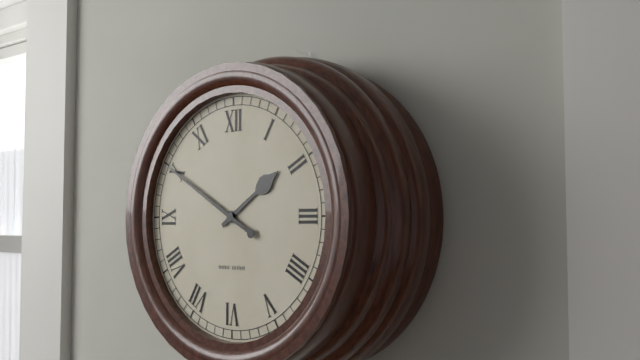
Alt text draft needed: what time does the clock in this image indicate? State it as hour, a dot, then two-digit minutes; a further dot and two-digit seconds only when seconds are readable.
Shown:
1.50
